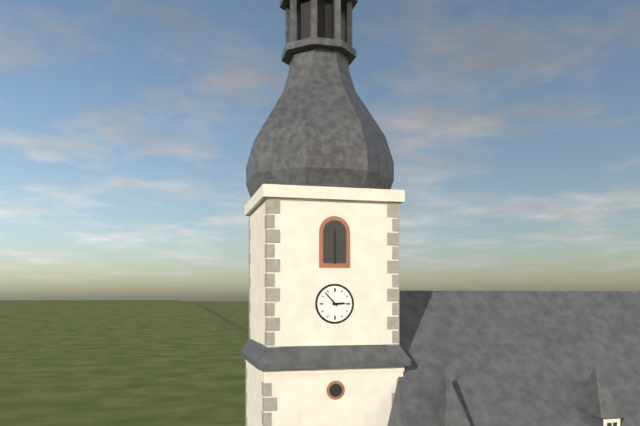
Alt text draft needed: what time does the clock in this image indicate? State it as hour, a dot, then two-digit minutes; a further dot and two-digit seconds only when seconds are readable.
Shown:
2.53
